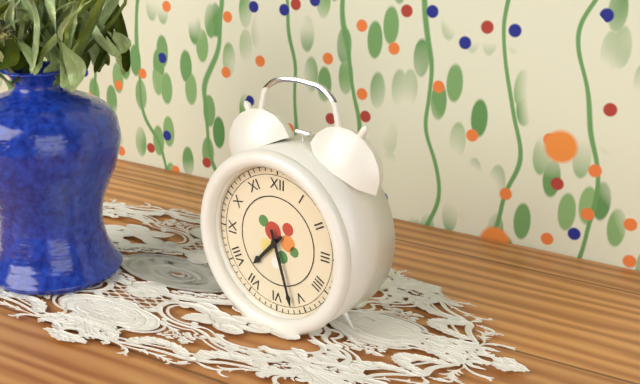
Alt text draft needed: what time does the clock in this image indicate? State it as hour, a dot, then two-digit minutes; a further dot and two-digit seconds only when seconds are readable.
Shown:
7.27
